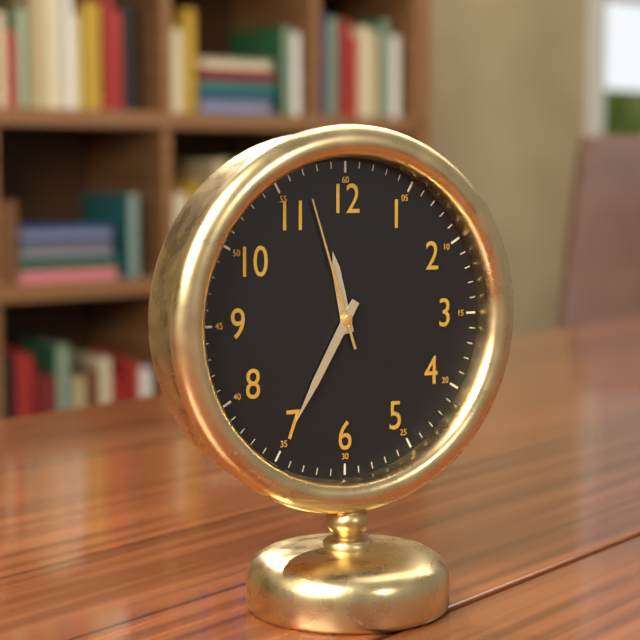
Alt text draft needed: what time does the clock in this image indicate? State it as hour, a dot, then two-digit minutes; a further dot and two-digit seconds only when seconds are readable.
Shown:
11.35.57
